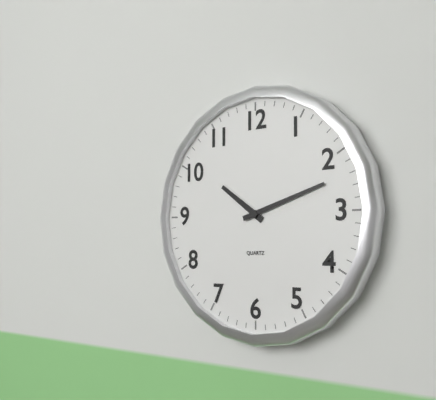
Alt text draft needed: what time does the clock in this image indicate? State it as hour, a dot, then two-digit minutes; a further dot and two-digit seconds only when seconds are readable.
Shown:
10.12
